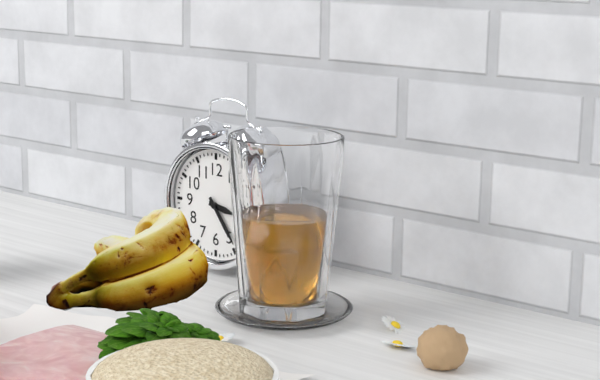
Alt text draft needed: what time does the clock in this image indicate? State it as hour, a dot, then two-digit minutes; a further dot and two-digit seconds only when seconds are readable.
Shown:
3.24
